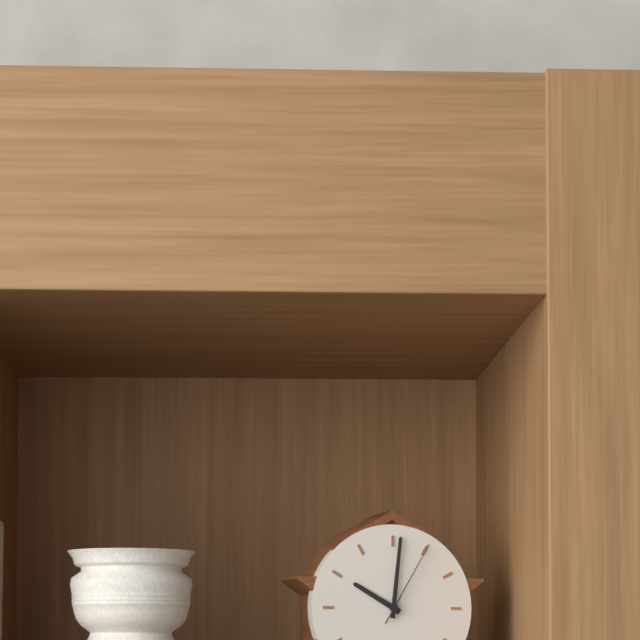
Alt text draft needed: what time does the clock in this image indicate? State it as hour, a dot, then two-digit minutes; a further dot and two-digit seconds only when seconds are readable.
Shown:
10.01.05
